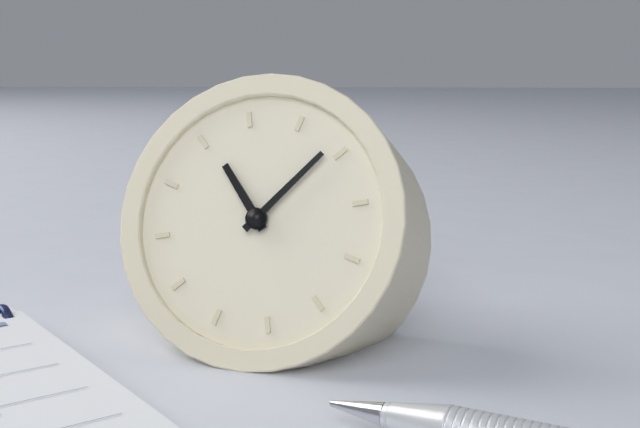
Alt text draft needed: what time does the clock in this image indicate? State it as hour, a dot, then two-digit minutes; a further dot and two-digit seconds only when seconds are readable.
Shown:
11.09
